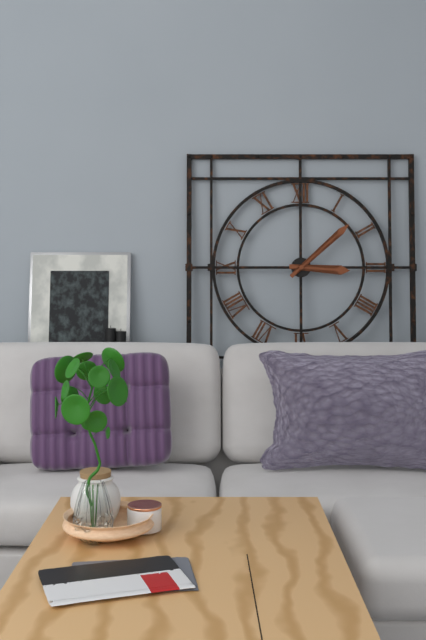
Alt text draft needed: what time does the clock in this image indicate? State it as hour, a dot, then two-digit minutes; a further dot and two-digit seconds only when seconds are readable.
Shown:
3.08
